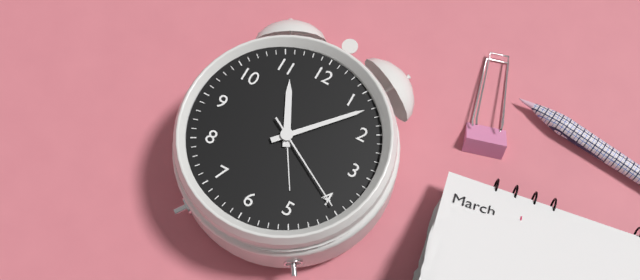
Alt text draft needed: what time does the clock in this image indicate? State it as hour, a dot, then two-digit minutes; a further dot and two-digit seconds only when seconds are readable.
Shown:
11.07.20
